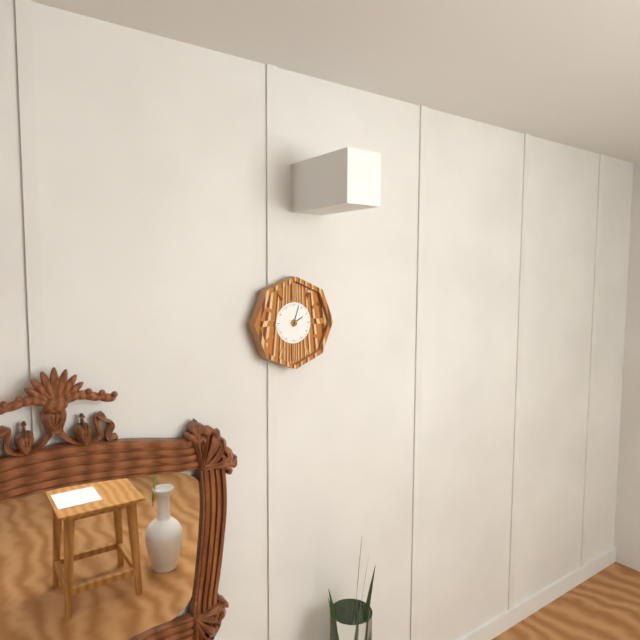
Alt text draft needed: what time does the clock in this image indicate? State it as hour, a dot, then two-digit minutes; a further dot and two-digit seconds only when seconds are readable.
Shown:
2.03
